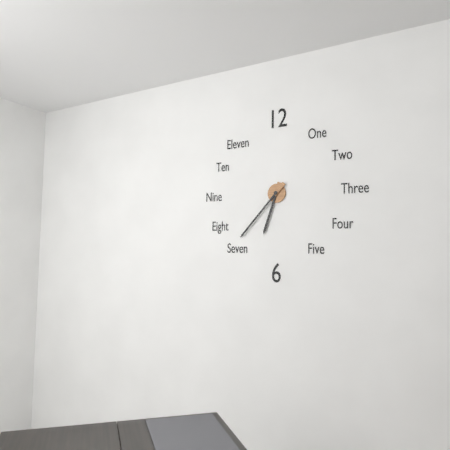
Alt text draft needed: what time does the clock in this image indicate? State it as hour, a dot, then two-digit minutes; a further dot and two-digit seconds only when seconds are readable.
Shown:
6.37
